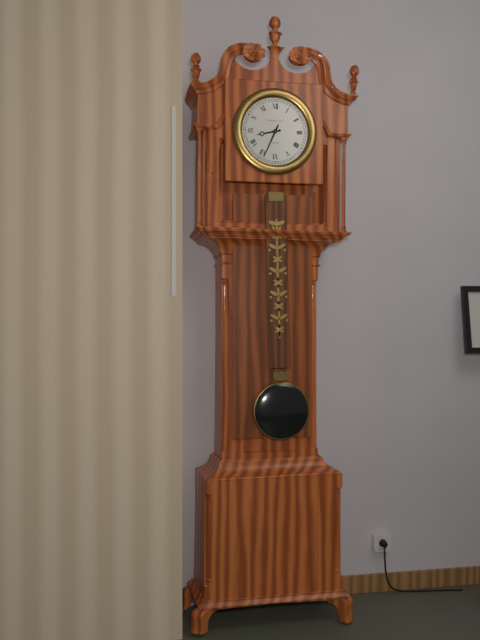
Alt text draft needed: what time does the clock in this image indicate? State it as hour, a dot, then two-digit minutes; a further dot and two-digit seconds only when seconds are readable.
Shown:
8.34
